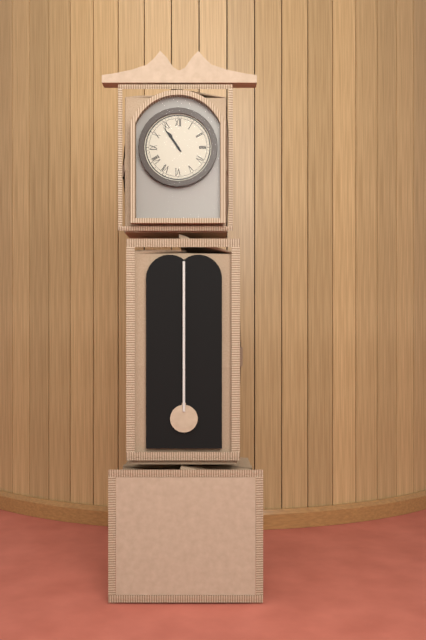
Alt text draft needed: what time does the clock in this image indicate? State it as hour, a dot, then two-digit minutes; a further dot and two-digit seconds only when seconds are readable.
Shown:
10.54
